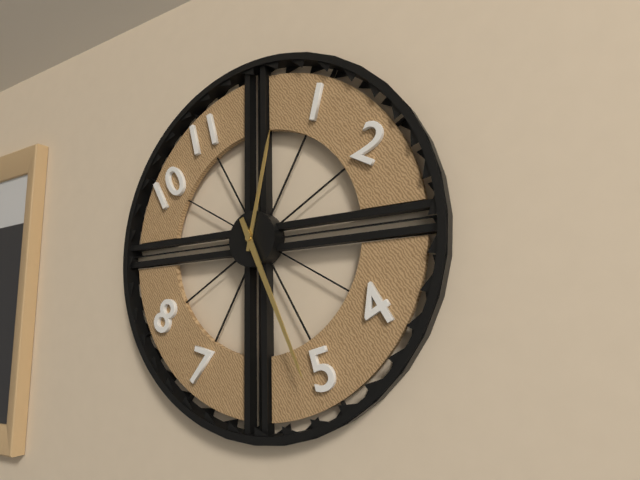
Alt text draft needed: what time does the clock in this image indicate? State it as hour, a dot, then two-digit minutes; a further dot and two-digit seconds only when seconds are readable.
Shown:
12.26
